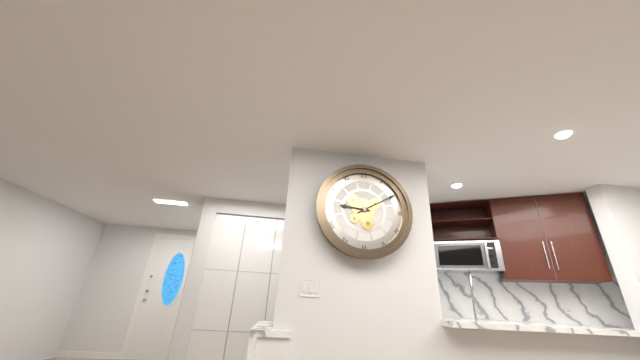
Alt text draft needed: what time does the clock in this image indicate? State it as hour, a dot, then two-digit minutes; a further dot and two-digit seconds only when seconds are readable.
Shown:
9.10
